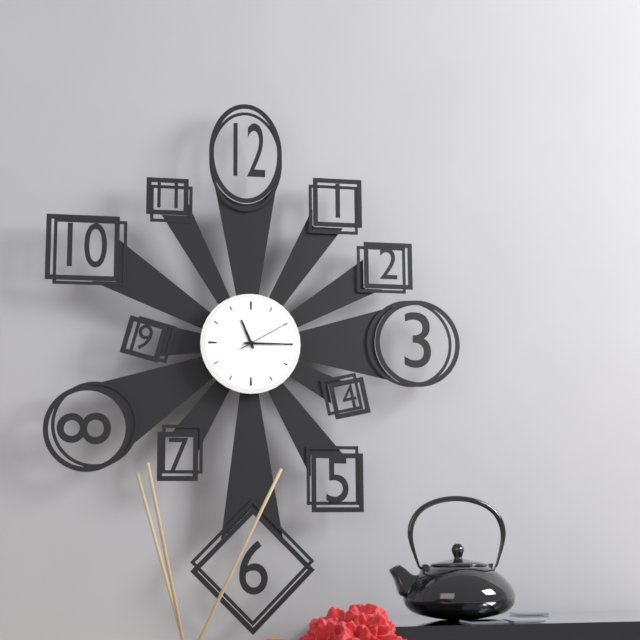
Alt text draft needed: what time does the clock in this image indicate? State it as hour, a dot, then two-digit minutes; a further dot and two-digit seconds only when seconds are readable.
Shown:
11.15.10
